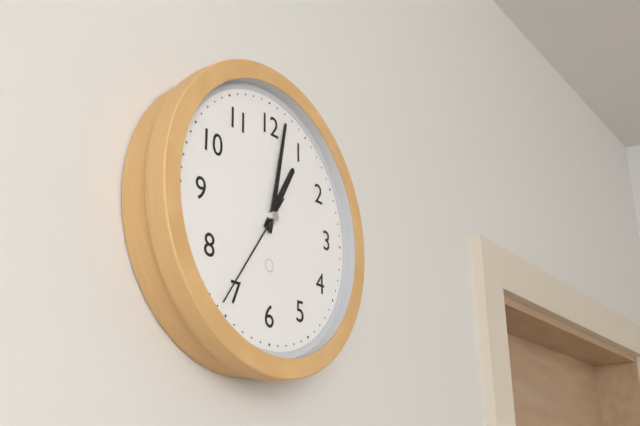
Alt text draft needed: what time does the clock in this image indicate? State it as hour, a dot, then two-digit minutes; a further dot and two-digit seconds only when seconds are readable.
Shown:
1.02.36
